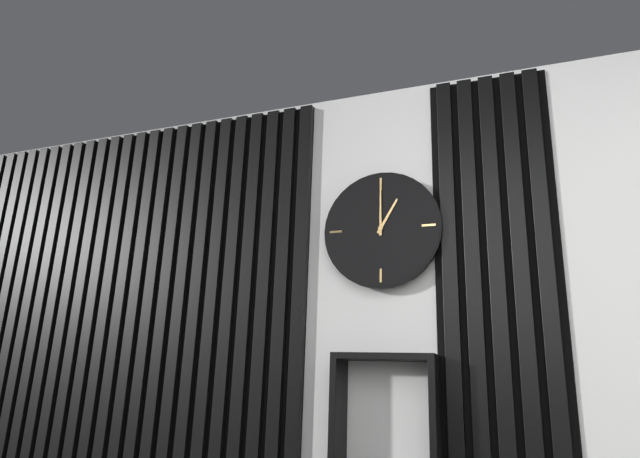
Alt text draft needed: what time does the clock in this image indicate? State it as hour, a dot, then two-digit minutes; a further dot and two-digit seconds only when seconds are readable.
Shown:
1.00
